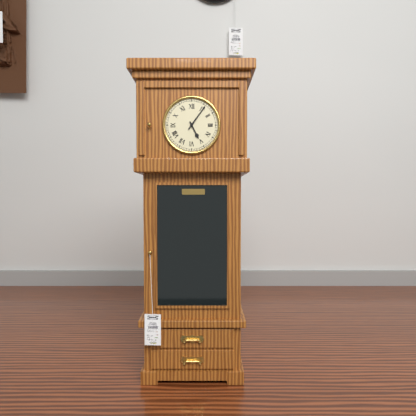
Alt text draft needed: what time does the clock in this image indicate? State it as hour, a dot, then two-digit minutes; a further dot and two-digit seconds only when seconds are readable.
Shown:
5.06
